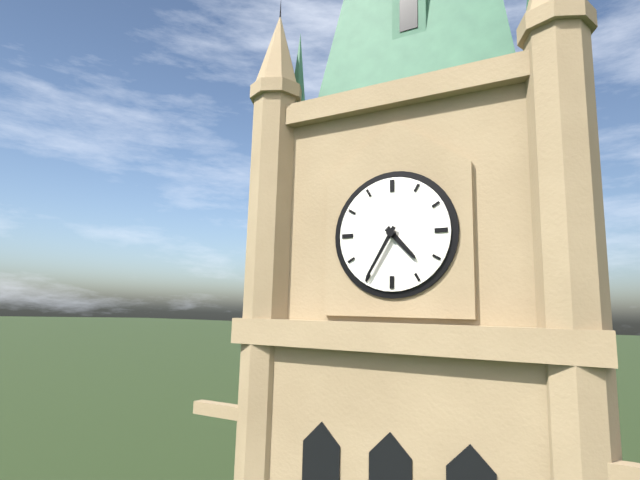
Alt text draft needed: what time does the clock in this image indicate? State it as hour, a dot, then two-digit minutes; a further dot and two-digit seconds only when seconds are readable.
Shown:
4.35
